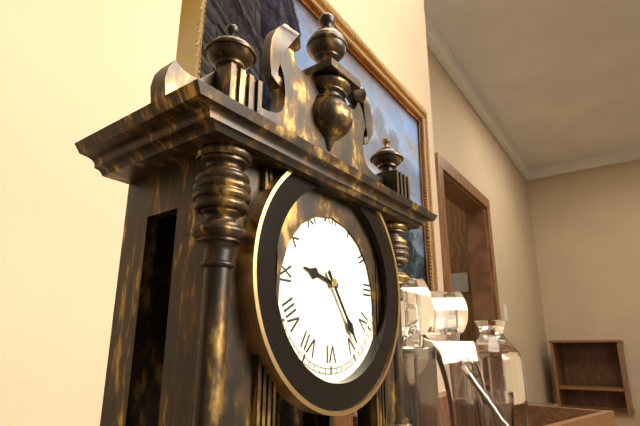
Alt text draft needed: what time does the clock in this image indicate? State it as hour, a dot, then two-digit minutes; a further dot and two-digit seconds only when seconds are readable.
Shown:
9.24
